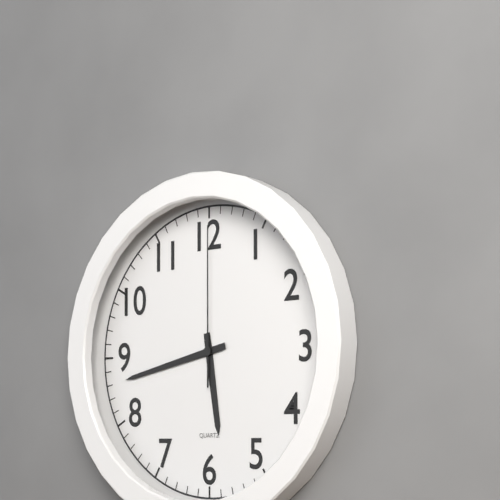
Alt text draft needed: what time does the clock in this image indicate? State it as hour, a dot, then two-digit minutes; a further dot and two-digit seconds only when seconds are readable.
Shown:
5.43.00
